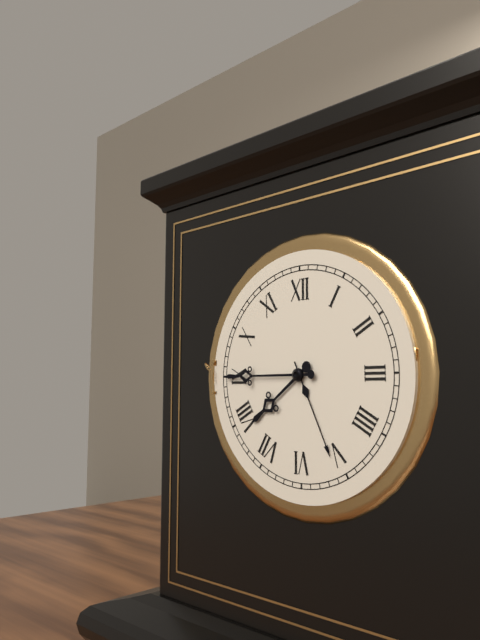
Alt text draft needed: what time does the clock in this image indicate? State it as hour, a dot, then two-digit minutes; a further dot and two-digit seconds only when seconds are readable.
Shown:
7.45
